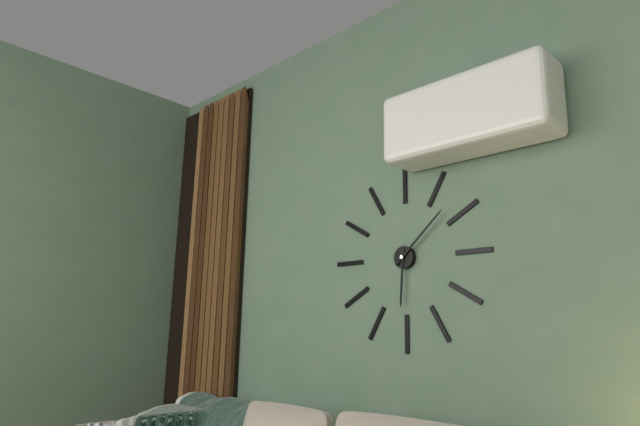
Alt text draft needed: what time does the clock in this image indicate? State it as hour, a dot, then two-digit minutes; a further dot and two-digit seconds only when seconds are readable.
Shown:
6.08
